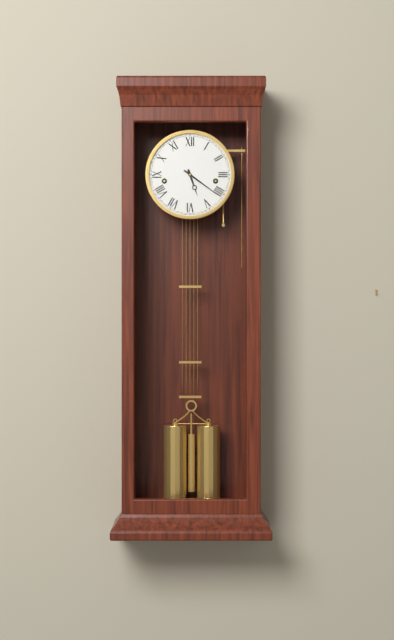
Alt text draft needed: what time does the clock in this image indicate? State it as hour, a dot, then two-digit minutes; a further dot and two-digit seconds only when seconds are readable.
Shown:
5.21
